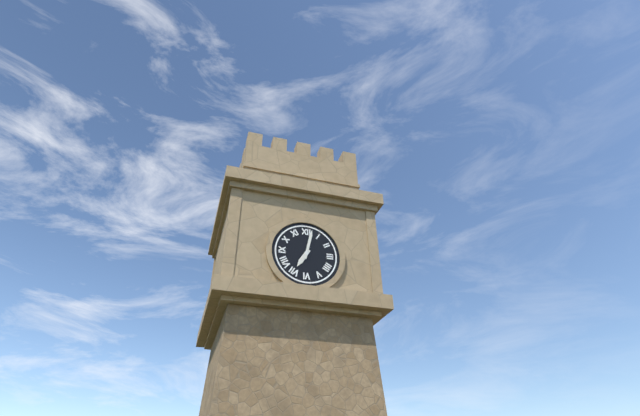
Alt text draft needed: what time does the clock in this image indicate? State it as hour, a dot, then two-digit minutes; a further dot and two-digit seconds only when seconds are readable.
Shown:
7.02
